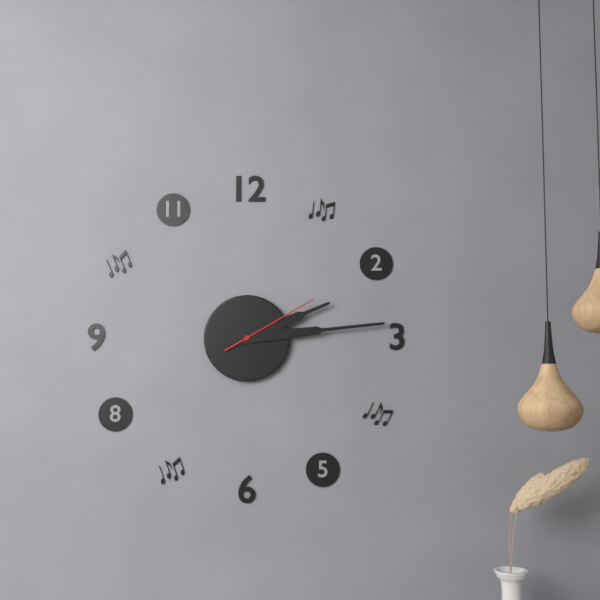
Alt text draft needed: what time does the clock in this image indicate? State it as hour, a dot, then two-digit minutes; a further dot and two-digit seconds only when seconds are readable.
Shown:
2.14.10
